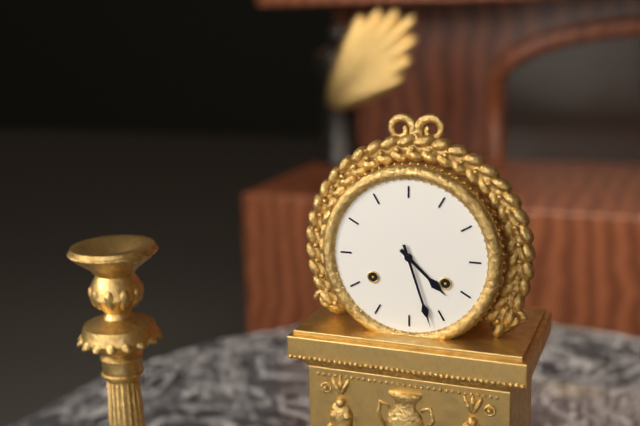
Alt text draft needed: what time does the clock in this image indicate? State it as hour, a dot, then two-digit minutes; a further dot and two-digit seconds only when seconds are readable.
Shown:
4.27
